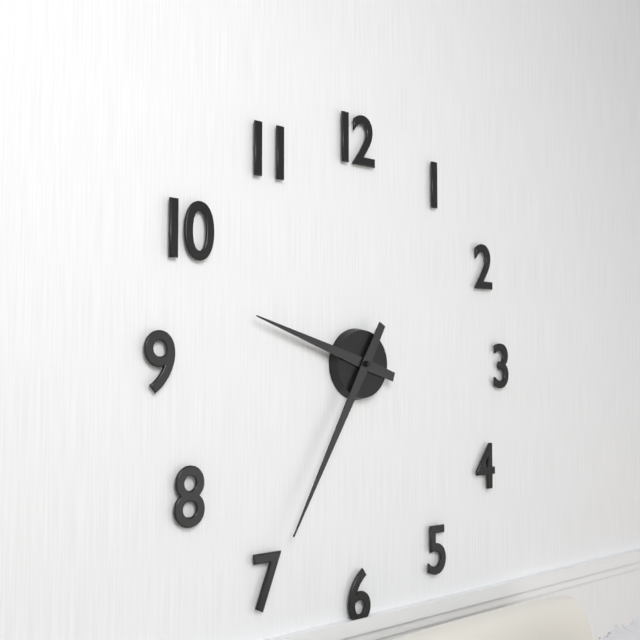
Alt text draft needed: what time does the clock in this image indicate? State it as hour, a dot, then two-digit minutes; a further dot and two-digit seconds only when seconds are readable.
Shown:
9.35
